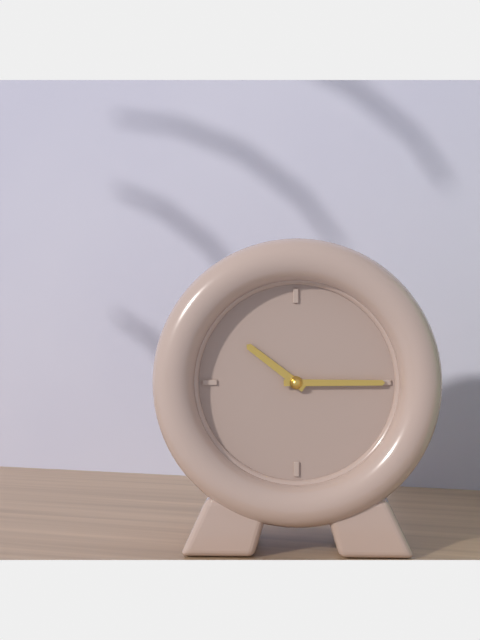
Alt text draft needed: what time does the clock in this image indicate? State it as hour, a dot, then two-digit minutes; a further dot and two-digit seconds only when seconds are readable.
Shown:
10.15
